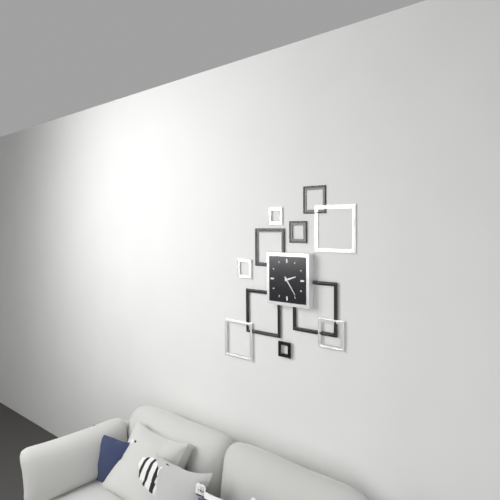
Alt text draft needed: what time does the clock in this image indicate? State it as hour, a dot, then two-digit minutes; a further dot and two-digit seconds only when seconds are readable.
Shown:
2.24
